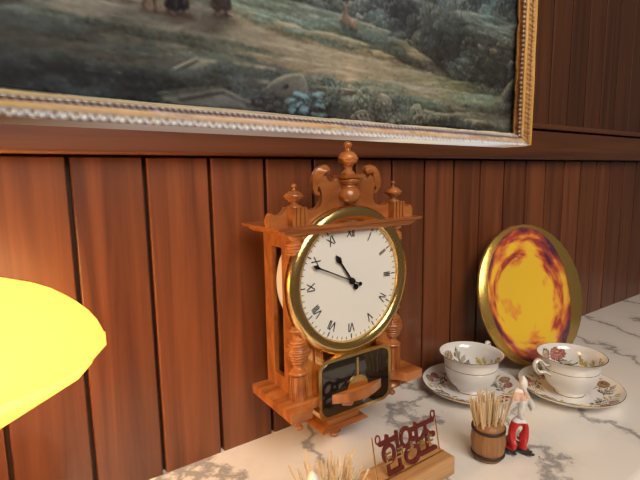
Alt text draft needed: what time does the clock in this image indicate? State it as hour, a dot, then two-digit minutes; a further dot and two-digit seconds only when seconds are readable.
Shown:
10.49
